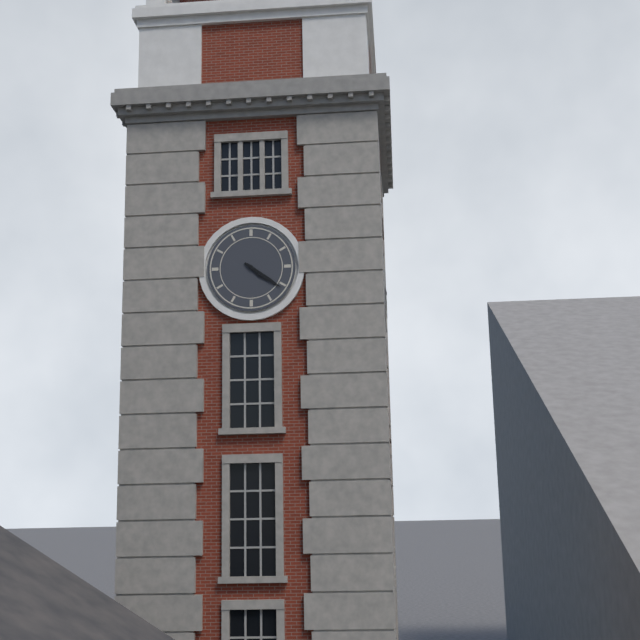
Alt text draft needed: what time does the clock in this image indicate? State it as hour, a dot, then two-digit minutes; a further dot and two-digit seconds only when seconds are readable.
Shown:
4.21
